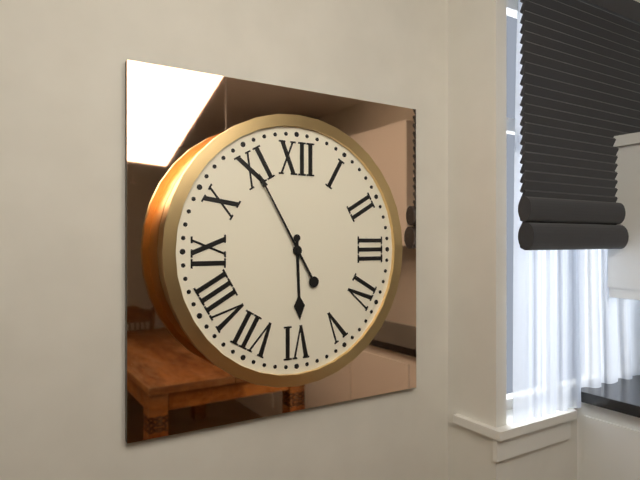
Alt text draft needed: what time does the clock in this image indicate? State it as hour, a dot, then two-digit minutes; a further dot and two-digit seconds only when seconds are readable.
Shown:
5.55
